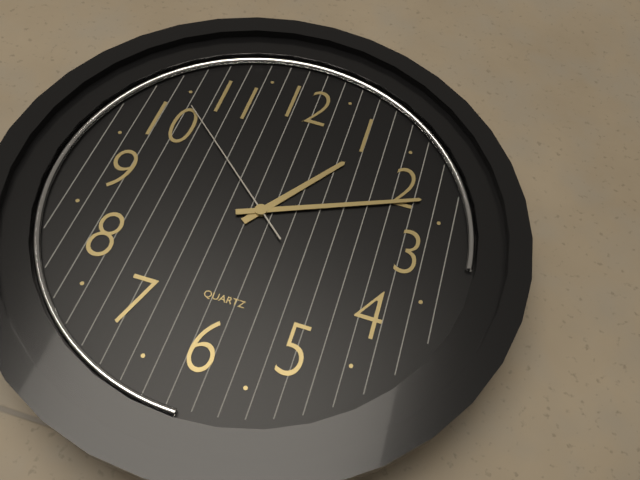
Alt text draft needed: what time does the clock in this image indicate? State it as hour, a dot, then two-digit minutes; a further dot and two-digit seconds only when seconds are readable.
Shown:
1.11.52
